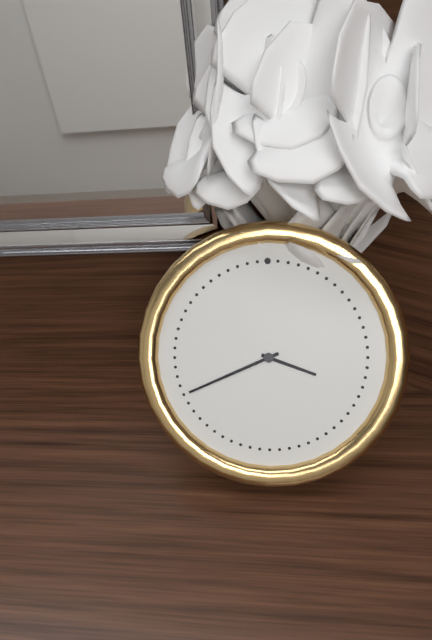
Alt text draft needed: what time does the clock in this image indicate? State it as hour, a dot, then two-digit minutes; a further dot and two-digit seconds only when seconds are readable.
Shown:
3.41
